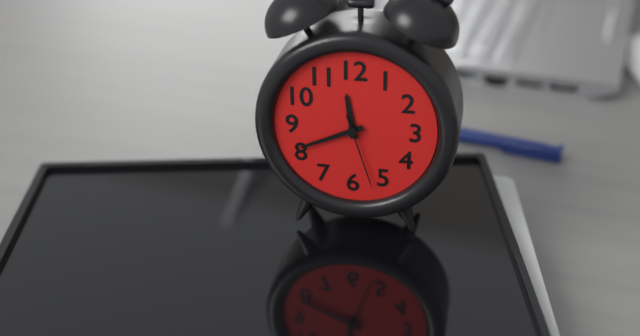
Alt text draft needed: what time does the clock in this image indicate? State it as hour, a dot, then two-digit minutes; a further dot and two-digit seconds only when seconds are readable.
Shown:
11.41.27
